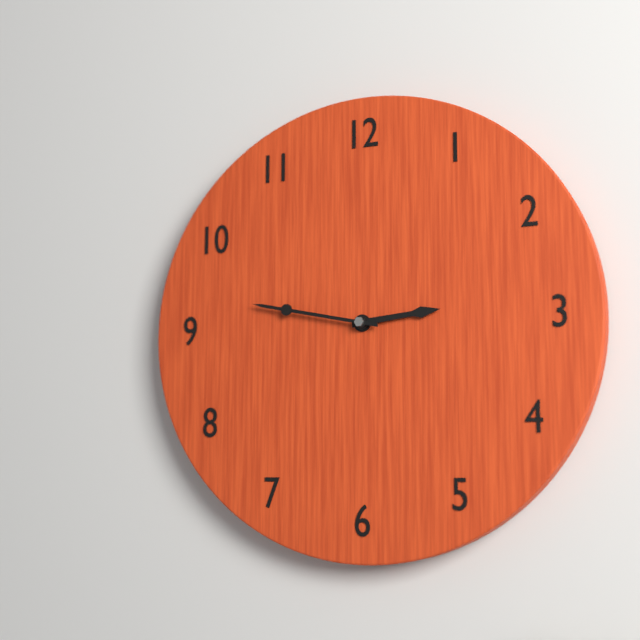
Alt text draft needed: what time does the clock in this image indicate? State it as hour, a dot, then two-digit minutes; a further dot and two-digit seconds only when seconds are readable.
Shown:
2.47
